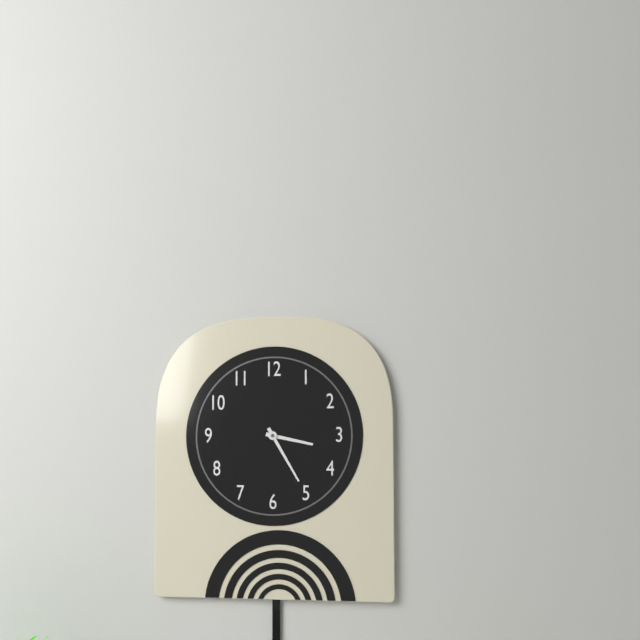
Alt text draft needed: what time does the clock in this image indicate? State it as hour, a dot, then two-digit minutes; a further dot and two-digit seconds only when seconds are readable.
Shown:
3.25
